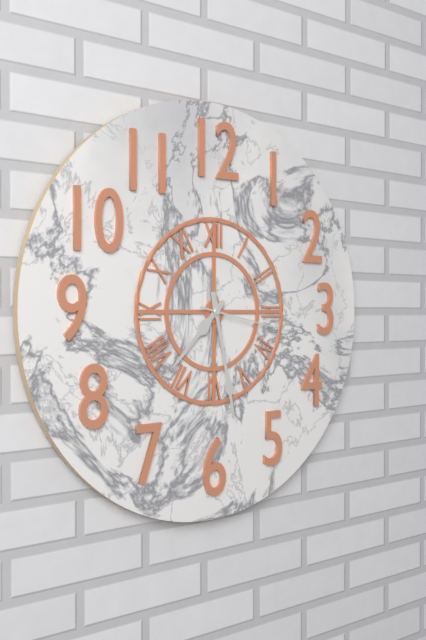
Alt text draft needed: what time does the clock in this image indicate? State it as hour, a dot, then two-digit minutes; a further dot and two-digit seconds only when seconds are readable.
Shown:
7.28.17
